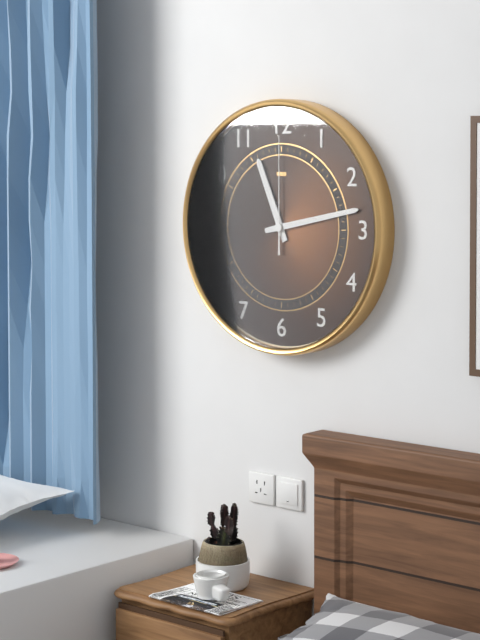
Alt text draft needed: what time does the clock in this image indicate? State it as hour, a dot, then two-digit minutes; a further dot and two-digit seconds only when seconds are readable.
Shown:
11.13.00
